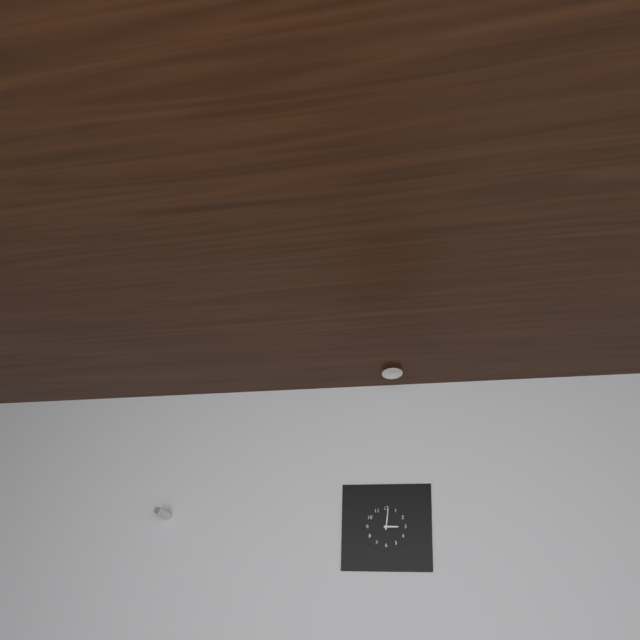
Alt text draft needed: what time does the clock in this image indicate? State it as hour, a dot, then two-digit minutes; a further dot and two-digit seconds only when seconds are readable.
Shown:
3.01
